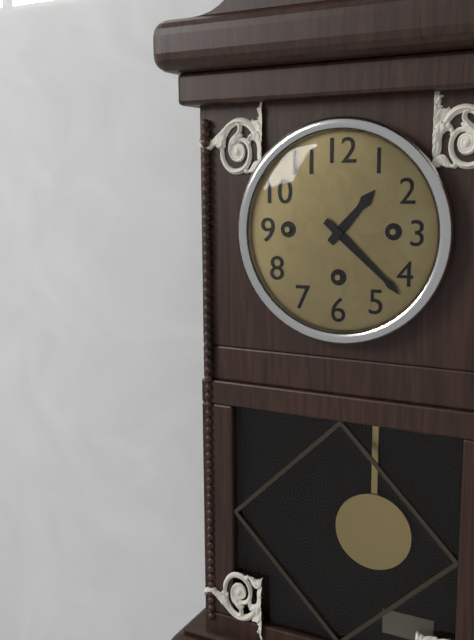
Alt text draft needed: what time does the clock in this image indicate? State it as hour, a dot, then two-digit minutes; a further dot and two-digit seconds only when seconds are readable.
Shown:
1.22
